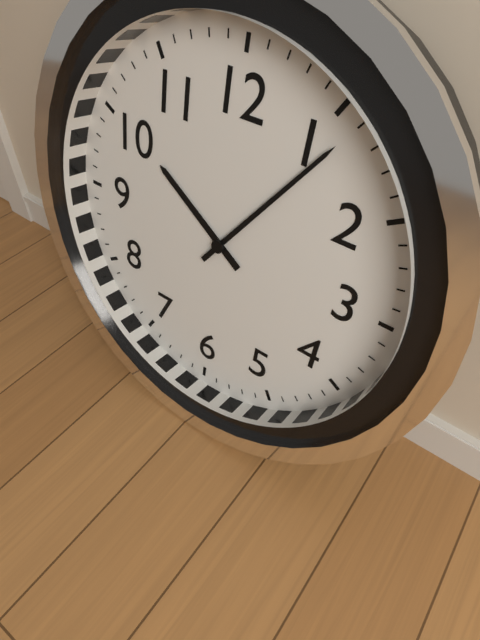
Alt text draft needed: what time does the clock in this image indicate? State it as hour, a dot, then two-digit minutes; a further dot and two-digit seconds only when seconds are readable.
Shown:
10.06
